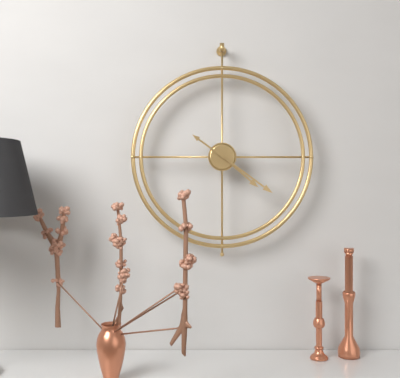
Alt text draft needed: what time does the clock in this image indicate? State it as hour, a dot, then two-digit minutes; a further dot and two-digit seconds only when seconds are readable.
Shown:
4.21
